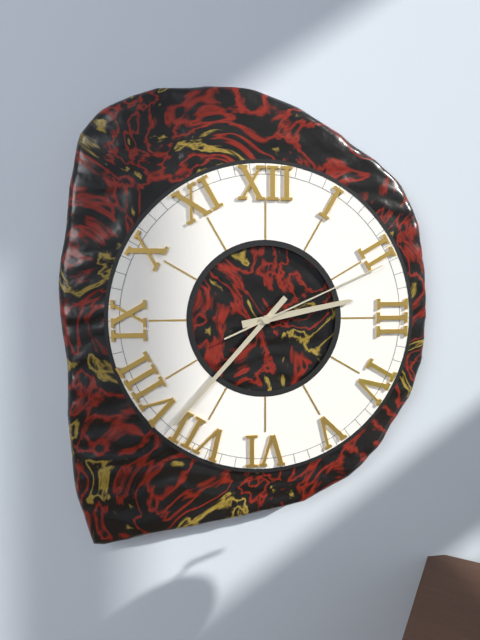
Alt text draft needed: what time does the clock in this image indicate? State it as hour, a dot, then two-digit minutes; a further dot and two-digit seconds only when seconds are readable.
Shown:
2.37.11
